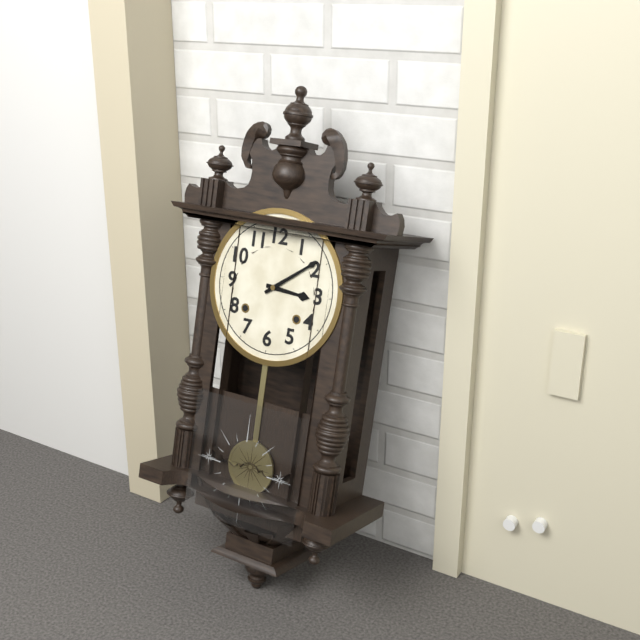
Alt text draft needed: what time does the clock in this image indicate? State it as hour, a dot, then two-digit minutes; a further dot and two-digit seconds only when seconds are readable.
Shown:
3.09
